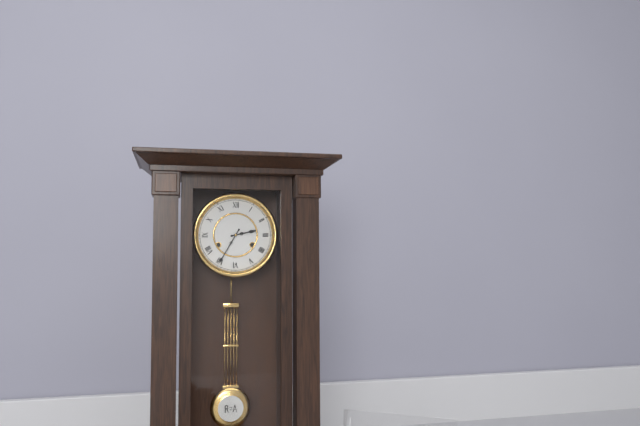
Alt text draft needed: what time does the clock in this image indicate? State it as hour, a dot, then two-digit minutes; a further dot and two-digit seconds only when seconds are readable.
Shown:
2.35
